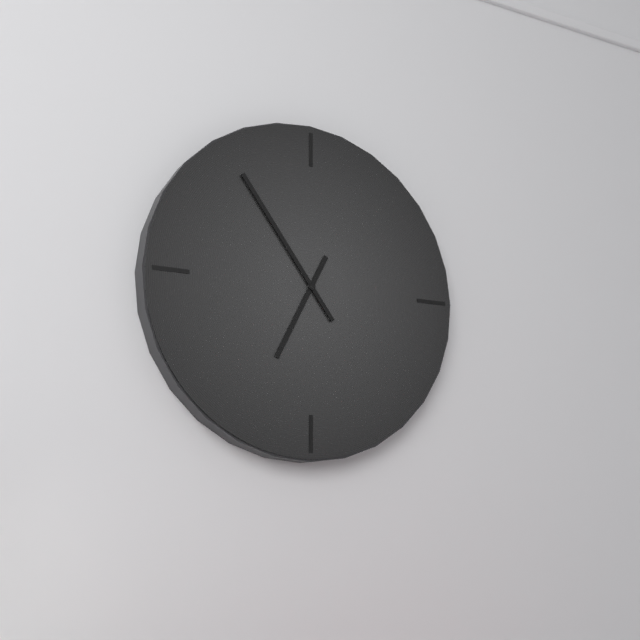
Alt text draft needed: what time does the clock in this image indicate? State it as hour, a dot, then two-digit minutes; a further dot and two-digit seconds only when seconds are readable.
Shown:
6.54
